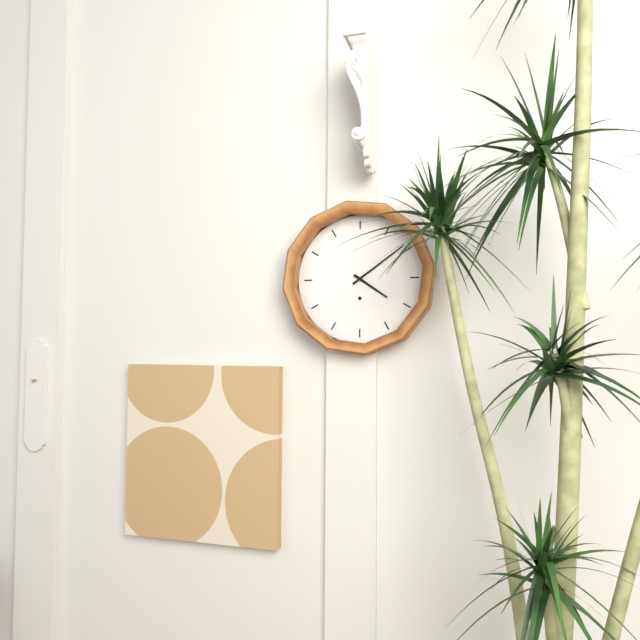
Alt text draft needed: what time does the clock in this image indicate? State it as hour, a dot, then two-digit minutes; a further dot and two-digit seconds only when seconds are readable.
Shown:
4.09
